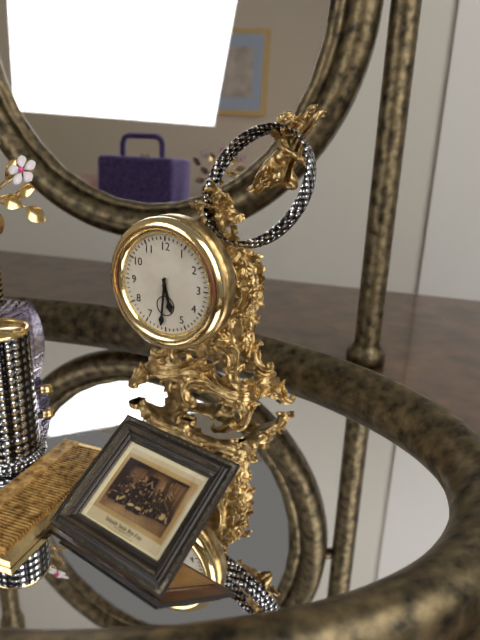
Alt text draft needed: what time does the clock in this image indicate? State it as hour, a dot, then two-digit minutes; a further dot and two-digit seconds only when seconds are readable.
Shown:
5.31
